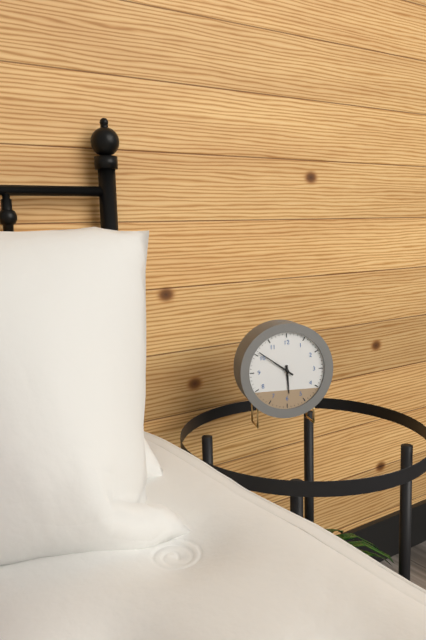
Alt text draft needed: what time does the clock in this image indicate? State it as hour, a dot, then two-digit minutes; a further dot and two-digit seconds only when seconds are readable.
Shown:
5.51
